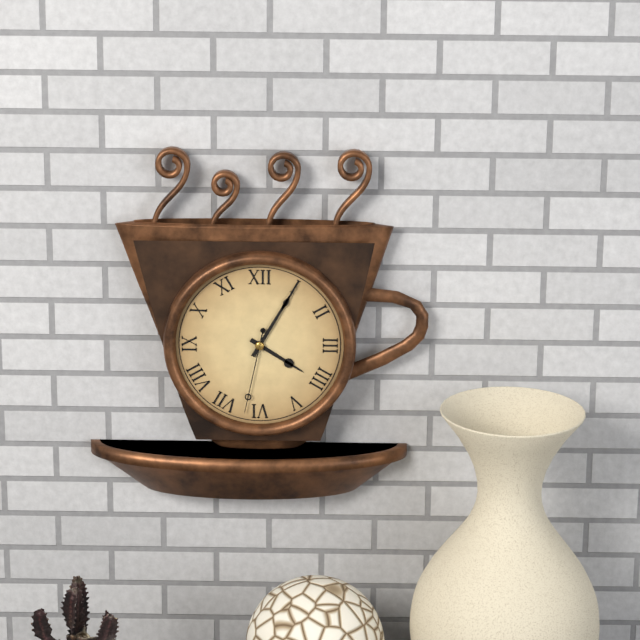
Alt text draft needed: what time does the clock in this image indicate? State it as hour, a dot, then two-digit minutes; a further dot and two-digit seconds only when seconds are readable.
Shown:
4.05.32
